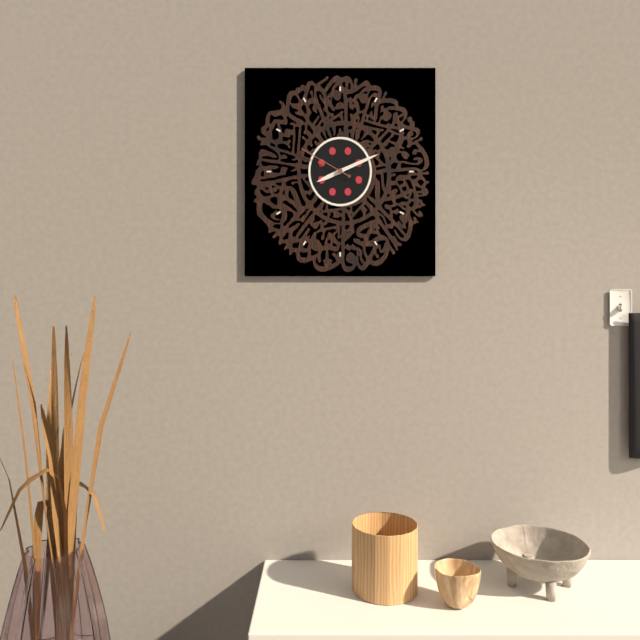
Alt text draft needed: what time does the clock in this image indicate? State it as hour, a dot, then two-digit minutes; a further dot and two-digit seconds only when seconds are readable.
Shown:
8.11.50
